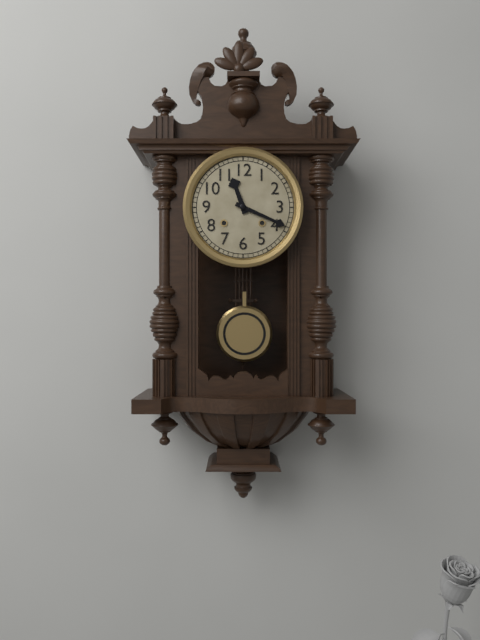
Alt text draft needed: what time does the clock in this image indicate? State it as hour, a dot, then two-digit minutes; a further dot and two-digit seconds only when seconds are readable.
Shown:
11.19
